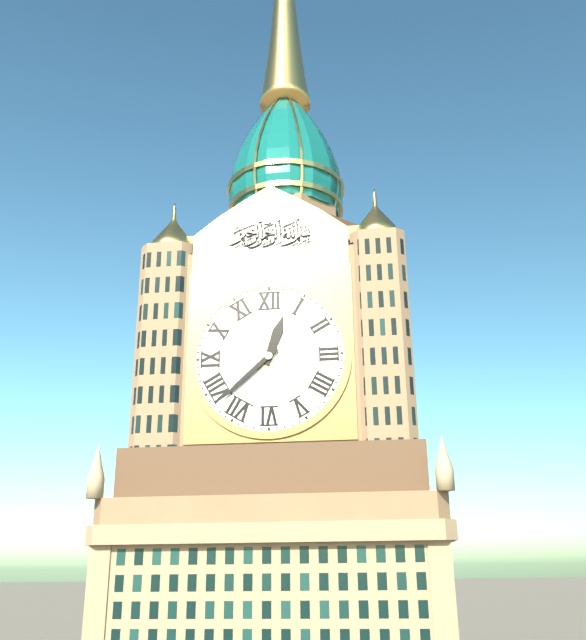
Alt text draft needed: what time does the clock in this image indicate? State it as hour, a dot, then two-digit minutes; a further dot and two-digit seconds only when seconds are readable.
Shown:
12.38
